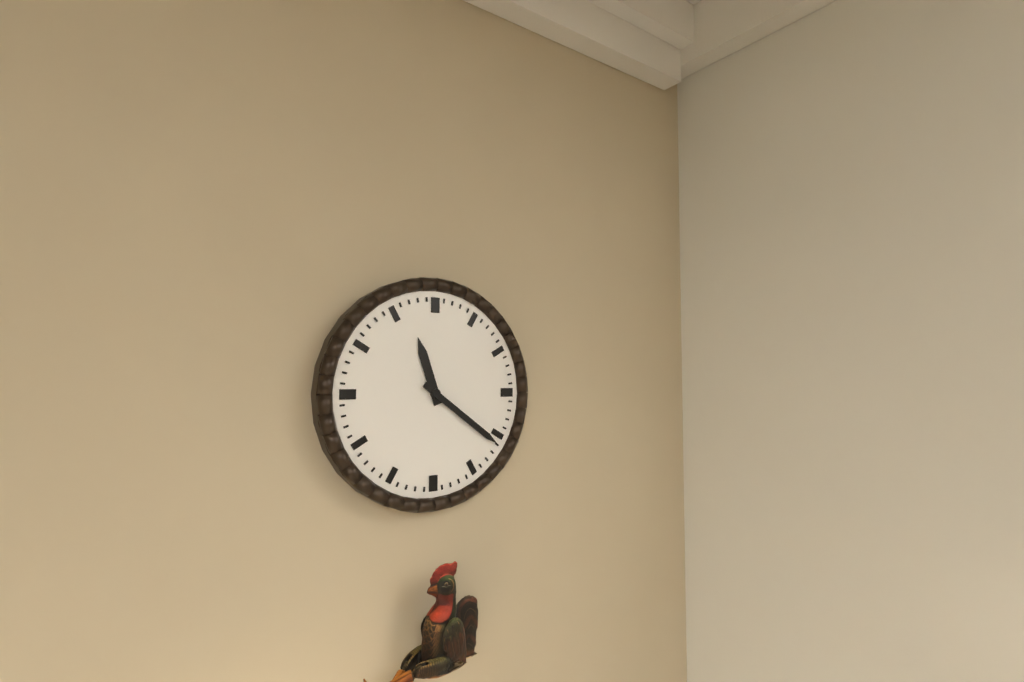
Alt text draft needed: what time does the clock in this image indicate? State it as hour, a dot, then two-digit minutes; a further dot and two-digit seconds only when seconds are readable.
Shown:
11.21
